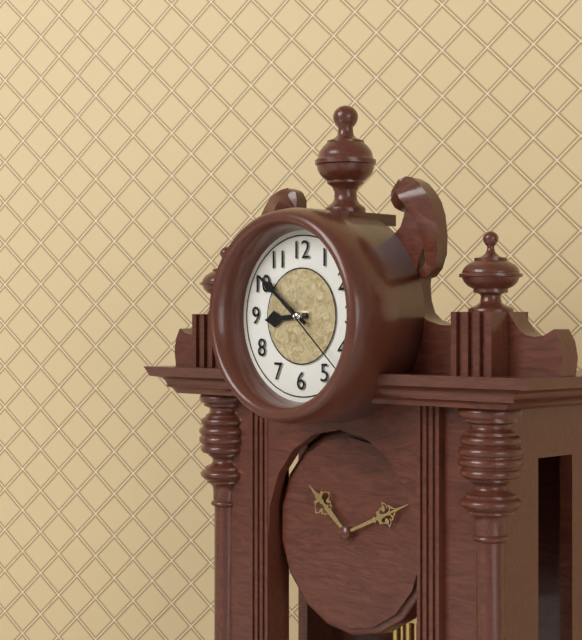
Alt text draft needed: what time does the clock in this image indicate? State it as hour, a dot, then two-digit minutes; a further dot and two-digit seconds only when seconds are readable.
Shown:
8.51.22
